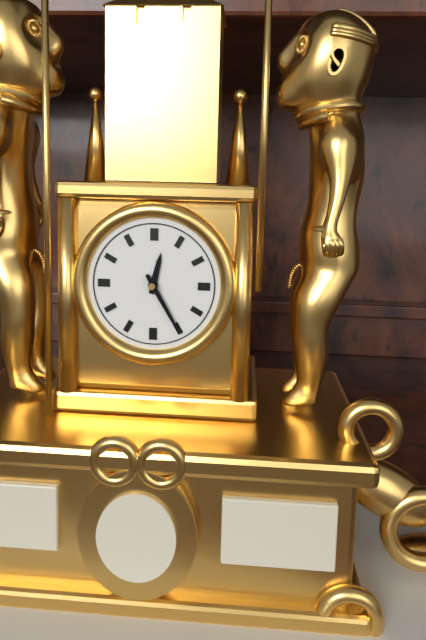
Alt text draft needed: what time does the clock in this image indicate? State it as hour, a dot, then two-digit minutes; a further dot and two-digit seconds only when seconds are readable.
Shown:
12.25
